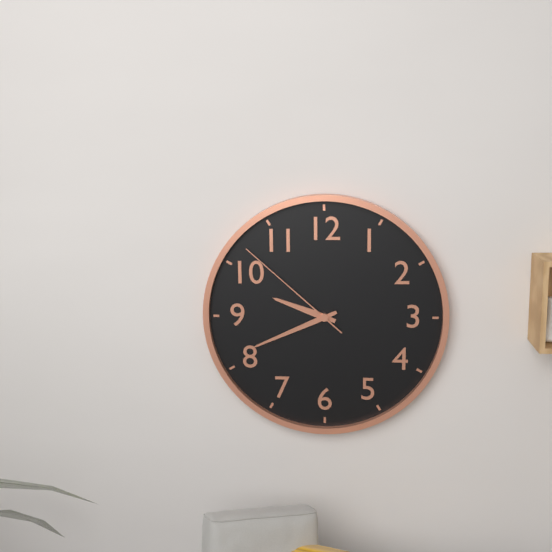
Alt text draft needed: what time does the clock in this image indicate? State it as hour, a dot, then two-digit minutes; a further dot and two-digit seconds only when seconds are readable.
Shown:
9.41.52
